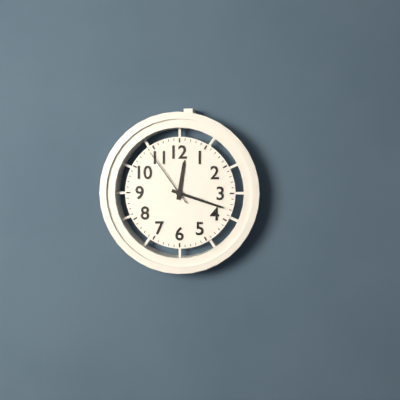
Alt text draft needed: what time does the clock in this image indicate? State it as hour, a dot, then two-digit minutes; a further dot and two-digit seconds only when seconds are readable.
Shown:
12.18.54
